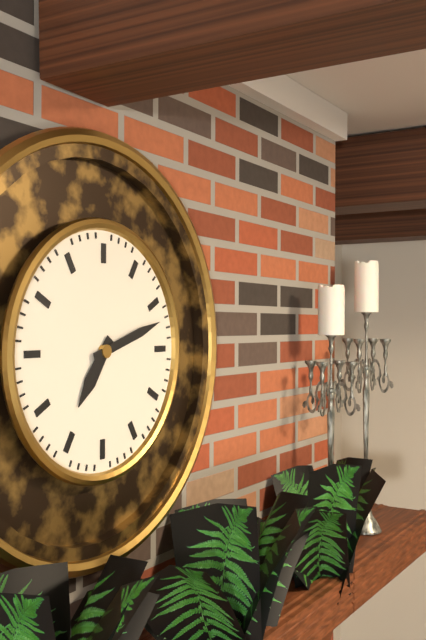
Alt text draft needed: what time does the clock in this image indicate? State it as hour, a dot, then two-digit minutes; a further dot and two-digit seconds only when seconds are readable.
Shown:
7.12
